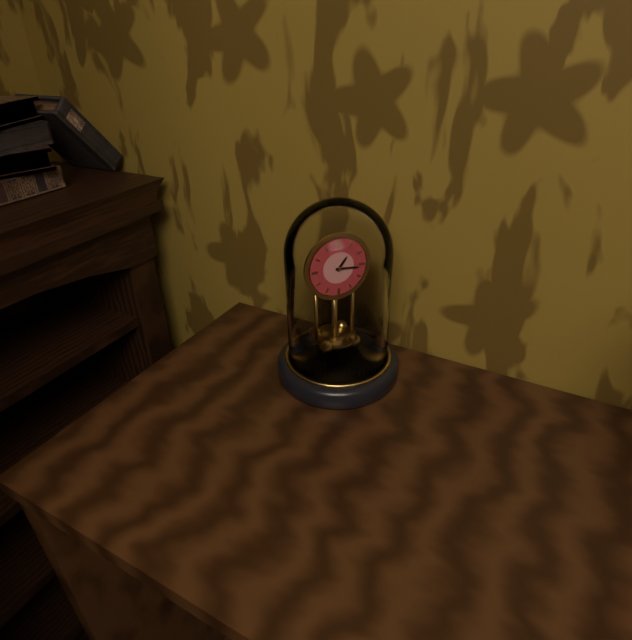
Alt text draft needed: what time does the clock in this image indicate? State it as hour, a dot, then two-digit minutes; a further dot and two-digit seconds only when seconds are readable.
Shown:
1.16
